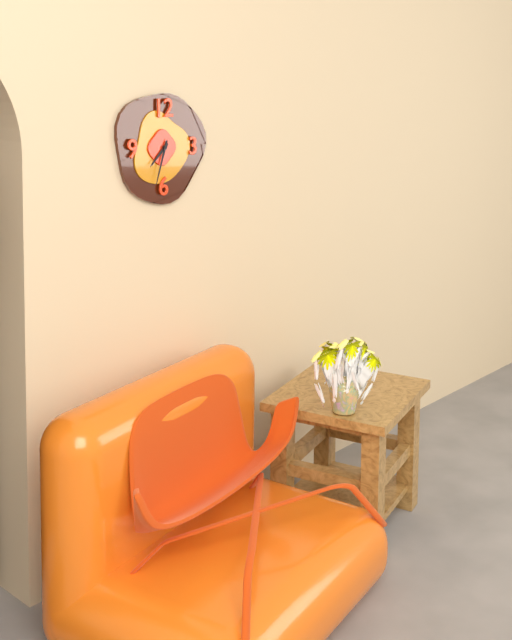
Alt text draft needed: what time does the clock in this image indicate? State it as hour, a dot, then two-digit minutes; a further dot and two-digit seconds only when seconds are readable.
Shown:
7.33
